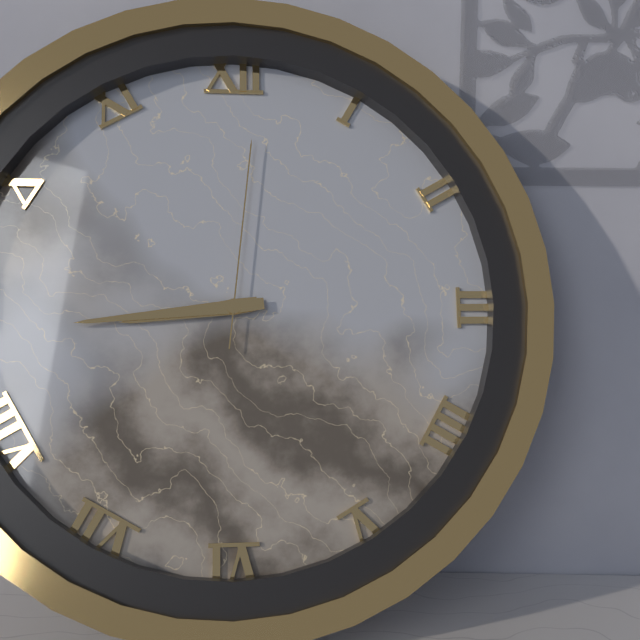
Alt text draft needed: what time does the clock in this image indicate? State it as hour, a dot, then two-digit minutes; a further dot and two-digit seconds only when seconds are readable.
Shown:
8.44.01
